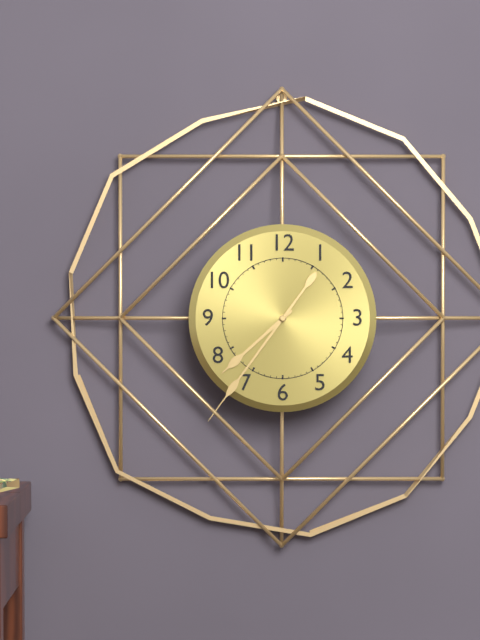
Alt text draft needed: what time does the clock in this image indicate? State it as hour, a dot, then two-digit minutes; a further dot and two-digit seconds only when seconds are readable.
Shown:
7.36
